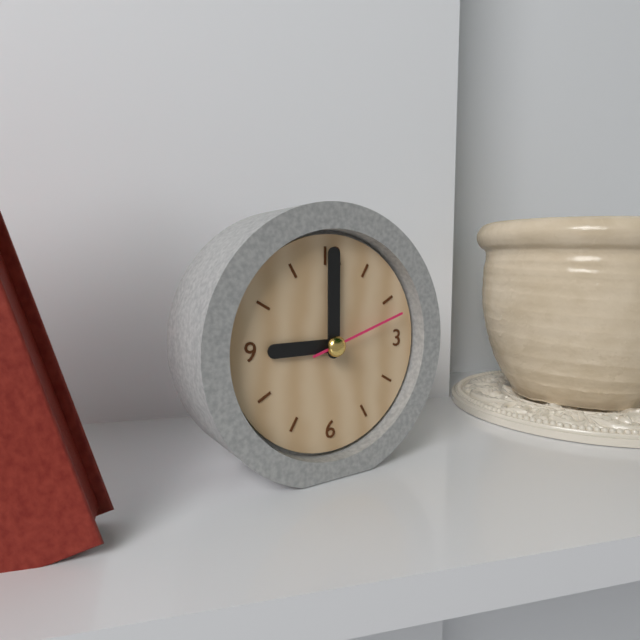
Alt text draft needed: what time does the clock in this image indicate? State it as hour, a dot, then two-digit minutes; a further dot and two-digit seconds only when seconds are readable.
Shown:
9.00.12
